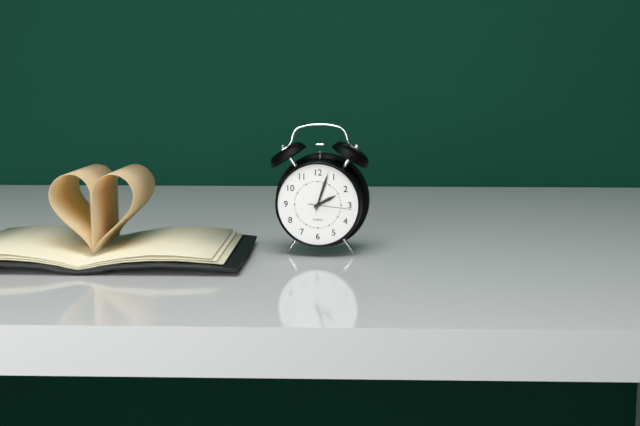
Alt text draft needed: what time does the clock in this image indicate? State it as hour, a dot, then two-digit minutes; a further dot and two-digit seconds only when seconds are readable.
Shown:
2.03
